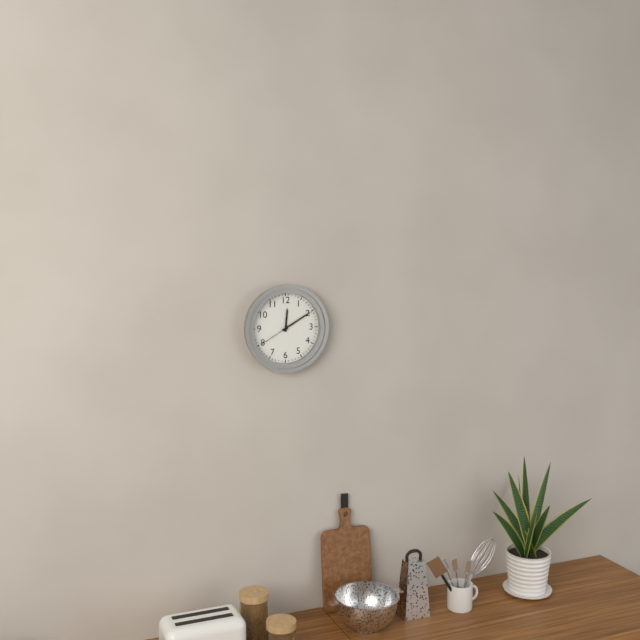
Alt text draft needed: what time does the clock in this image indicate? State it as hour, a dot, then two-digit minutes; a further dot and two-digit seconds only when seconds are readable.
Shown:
12.10
